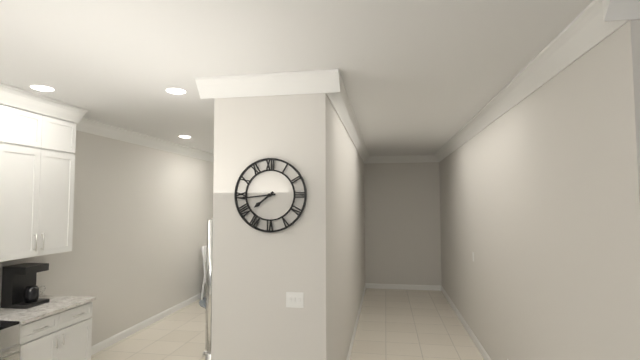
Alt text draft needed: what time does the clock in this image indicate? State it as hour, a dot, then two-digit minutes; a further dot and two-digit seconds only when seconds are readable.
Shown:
7.44
